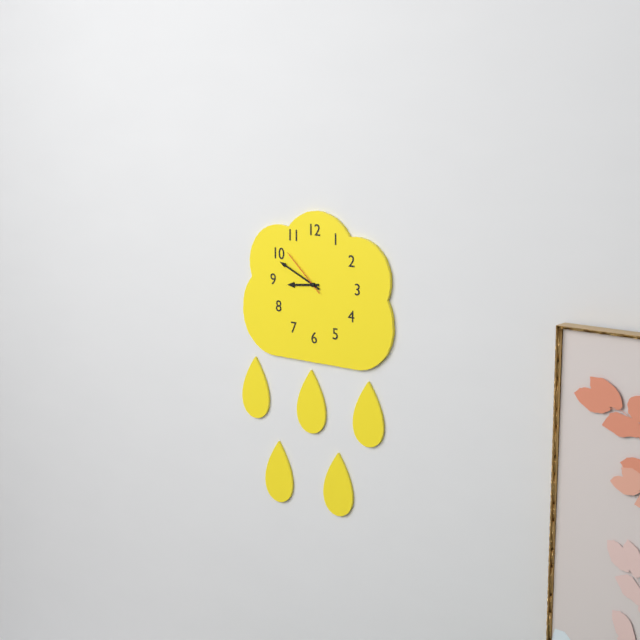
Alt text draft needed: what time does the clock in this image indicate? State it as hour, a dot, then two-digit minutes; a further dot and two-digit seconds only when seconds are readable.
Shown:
8.49.52
